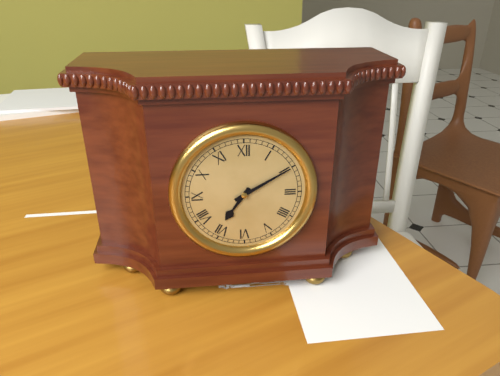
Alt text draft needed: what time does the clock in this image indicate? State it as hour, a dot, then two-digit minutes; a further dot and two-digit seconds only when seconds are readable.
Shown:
7.10
